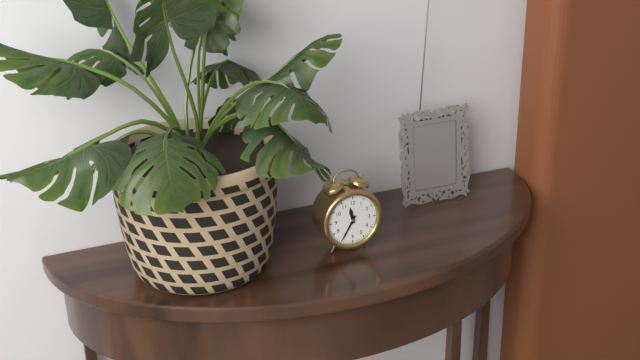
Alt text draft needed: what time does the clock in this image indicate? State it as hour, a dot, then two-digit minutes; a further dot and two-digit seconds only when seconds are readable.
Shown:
11.35
